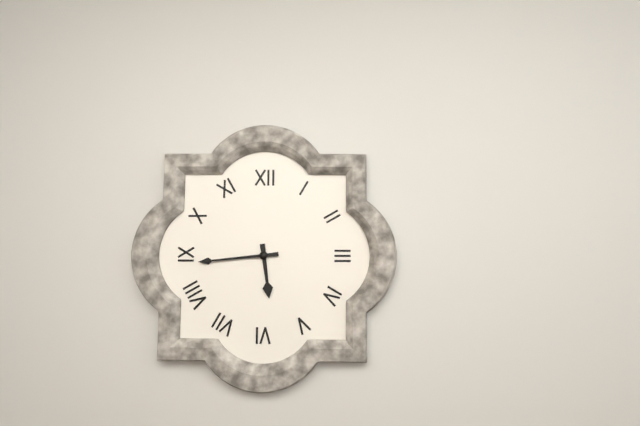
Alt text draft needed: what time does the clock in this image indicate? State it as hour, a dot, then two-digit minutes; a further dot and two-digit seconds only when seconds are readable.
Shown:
5.44
